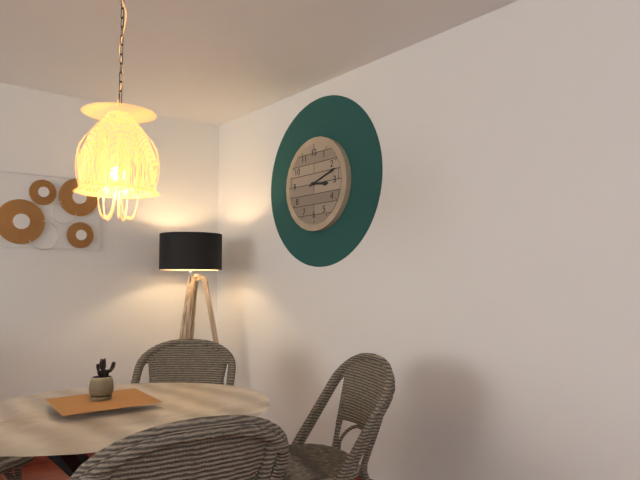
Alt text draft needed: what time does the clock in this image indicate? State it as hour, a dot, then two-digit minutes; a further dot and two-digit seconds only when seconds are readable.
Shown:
3.12
